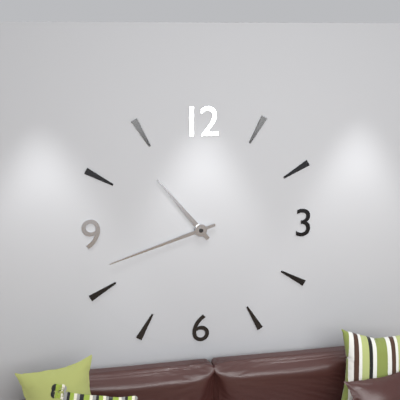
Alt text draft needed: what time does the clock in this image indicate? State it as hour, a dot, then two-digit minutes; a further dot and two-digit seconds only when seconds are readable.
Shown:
10.42
